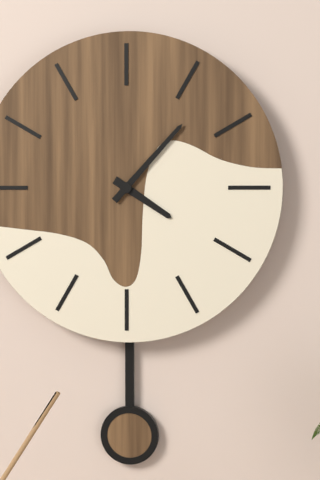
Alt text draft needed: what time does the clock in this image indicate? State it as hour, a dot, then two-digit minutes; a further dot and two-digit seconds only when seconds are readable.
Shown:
4.07
